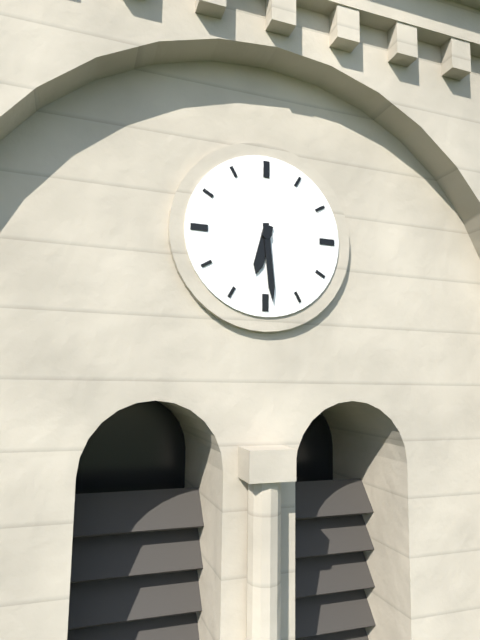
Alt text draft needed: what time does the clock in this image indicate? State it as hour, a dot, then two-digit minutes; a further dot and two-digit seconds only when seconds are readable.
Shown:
6.29
